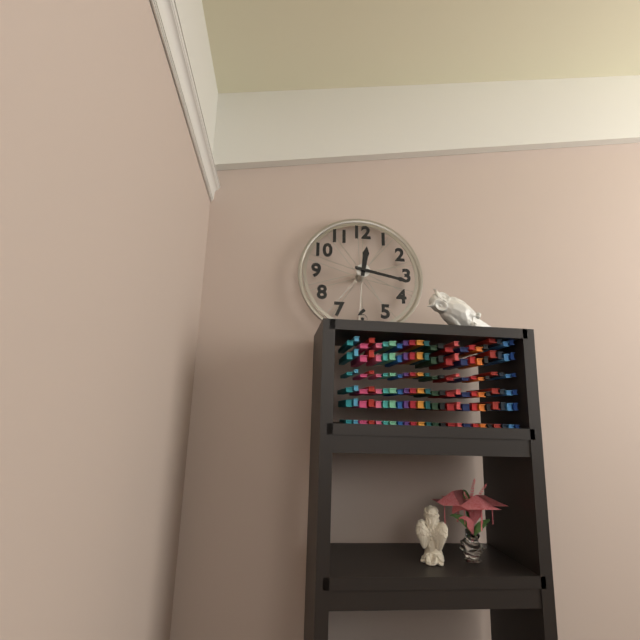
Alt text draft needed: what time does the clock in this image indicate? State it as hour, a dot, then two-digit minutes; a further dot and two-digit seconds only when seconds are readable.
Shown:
12.17
